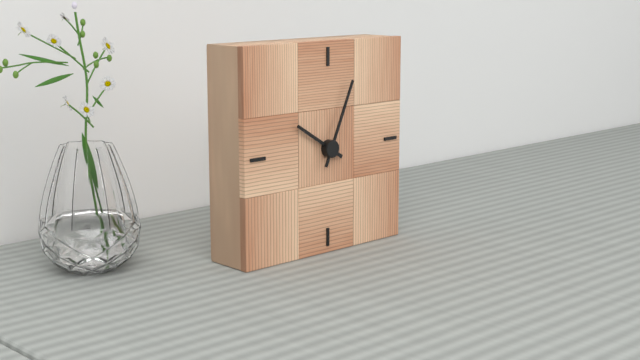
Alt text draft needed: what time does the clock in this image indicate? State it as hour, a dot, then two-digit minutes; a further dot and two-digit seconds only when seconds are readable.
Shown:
10.04
